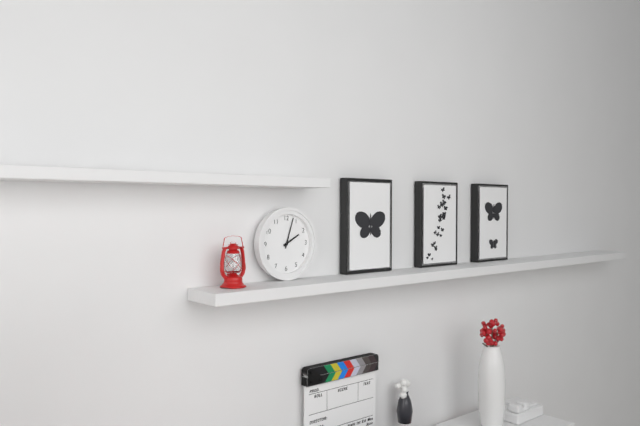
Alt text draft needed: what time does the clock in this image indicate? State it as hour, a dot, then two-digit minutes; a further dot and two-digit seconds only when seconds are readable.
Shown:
2.03
